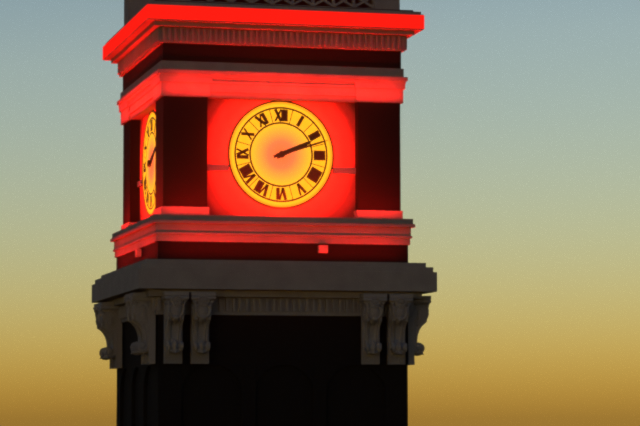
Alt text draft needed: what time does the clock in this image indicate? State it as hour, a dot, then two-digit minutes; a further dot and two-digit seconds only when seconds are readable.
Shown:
2.12
